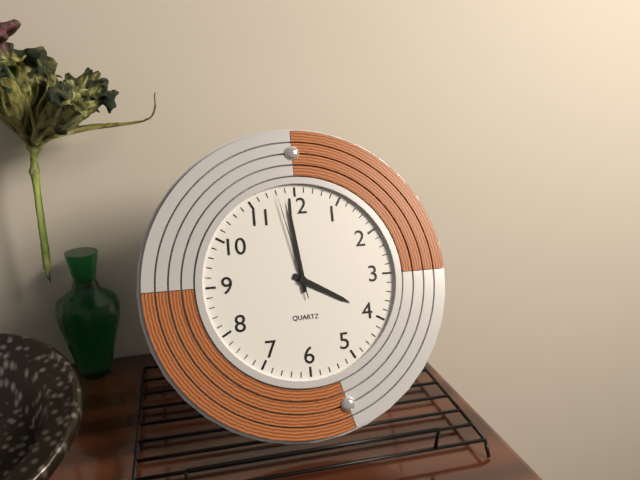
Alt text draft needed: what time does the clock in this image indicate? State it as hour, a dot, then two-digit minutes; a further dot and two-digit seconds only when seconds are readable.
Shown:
3.59.58
